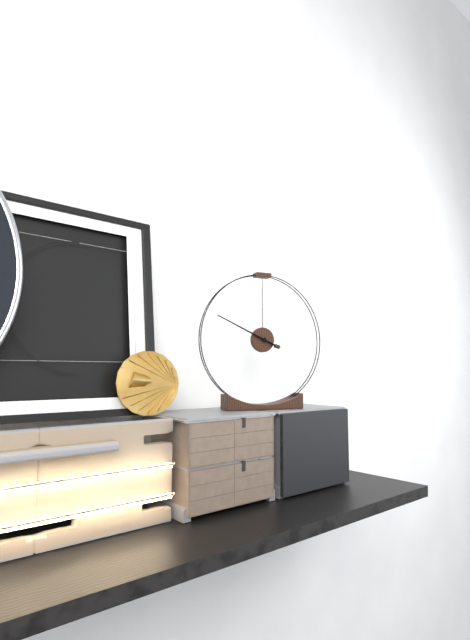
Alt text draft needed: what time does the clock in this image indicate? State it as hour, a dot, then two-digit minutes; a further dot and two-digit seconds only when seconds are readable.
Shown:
9.49
